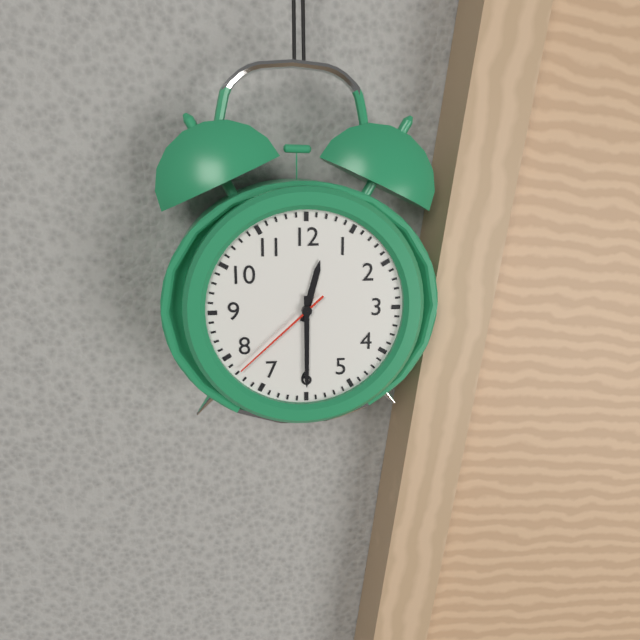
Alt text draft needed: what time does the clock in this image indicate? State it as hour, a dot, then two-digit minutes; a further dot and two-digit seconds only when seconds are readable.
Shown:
12.30.38
